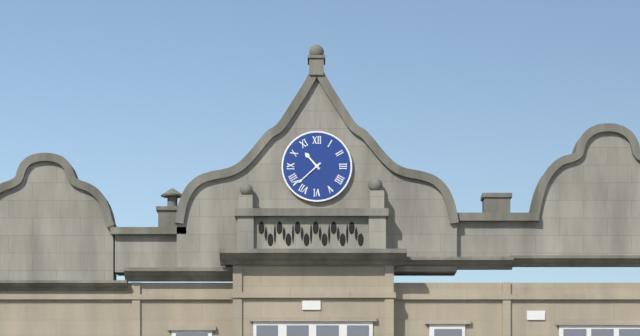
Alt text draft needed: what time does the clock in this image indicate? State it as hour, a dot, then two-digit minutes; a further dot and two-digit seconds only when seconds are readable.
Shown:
10.38
